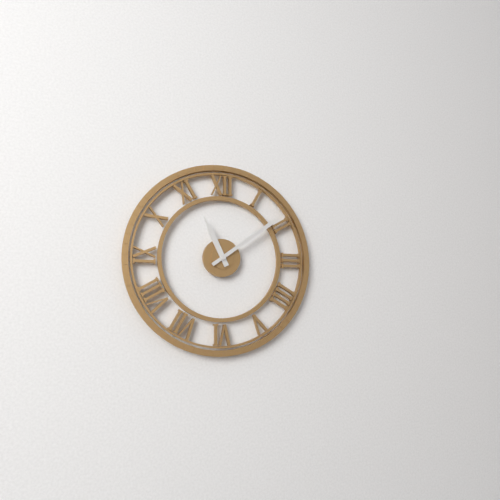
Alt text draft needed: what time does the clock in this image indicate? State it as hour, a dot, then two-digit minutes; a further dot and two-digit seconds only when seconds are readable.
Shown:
11.09
